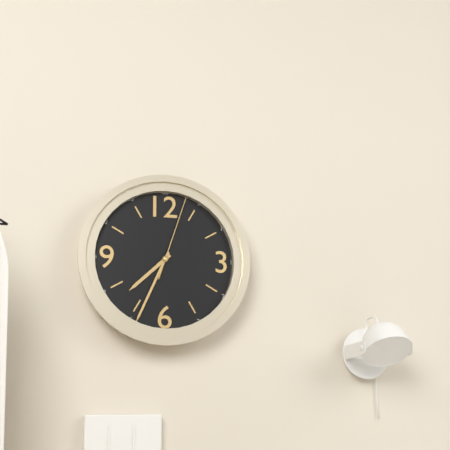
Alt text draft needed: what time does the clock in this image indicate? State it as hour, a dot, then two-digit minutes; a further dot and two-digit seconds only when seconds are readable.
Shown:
7.34.03
